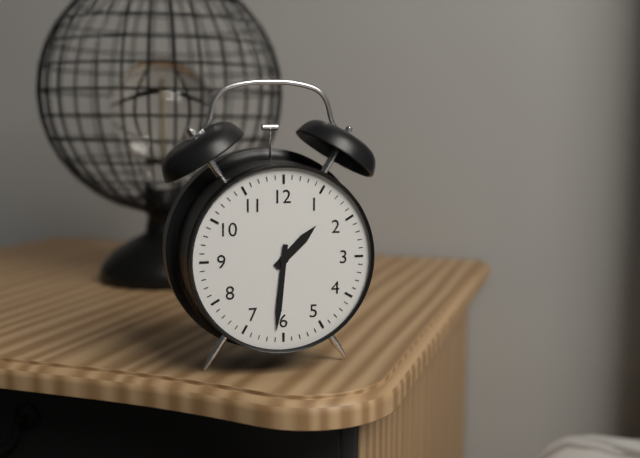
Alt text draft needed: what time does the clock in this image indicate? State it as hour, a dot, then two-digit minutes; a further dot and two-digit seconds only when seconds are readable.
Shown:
1.31
